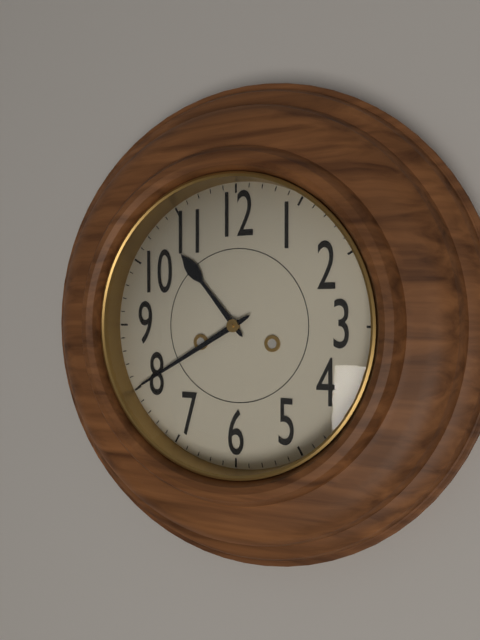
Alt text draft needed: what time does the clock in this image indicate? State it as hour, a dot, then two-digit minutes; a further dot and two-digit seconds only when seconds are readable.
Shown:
10.40
